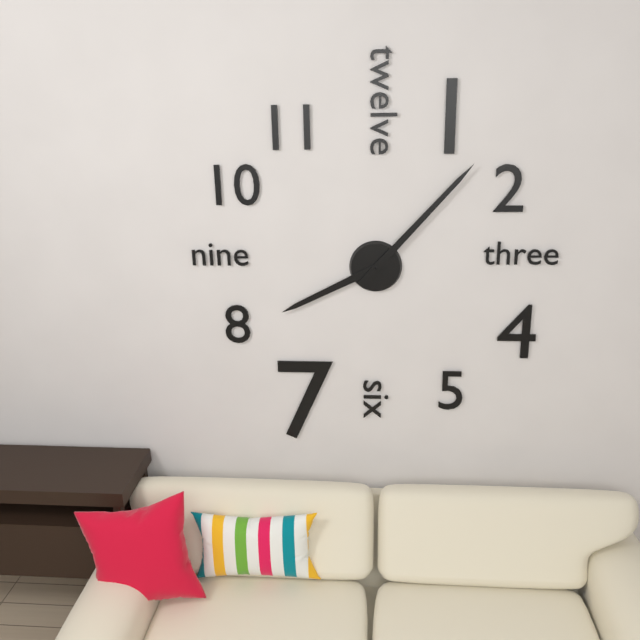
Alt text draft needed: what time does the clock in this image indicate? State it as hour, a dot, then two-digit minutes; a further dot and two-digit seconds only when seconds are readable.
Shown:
8.07
